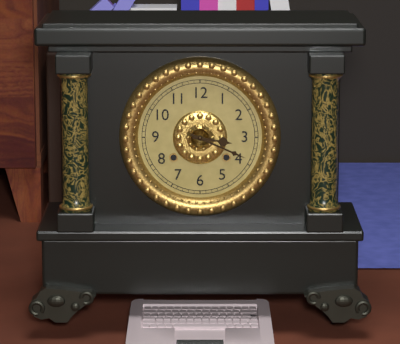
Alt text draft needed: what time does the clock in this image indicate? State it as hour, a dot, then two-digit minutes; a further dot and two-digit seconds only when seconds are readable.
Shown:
3.19
